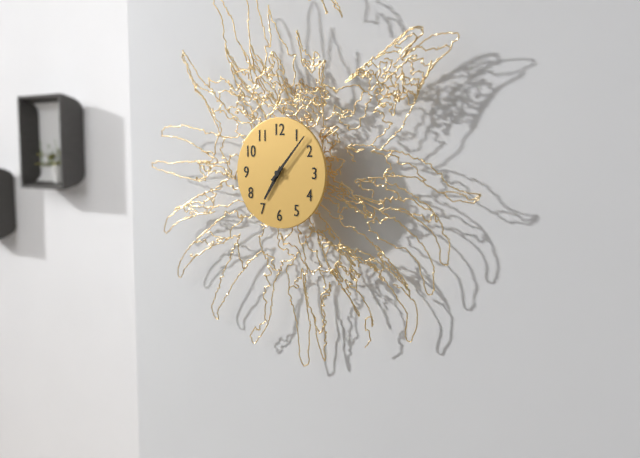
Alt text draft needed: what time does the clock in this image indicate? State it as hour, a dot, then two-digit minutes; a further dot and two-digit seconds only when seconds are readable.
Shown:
7.07
